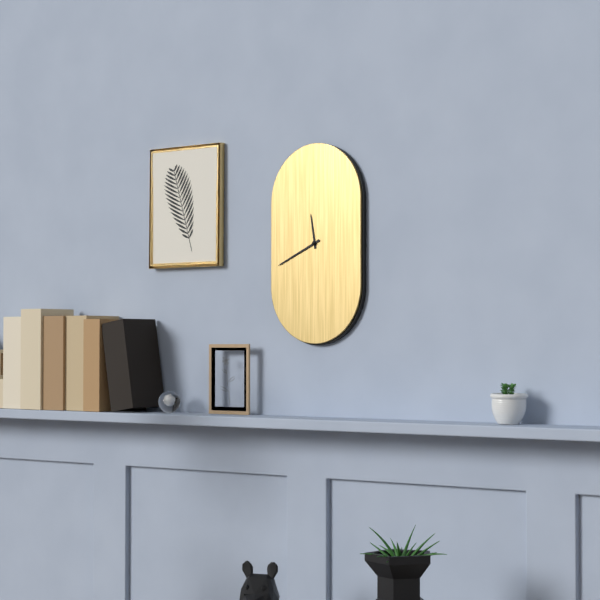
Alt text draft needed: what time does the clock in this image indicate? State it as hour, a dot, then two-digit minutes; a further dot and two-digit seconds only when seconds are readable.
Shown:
11.41
